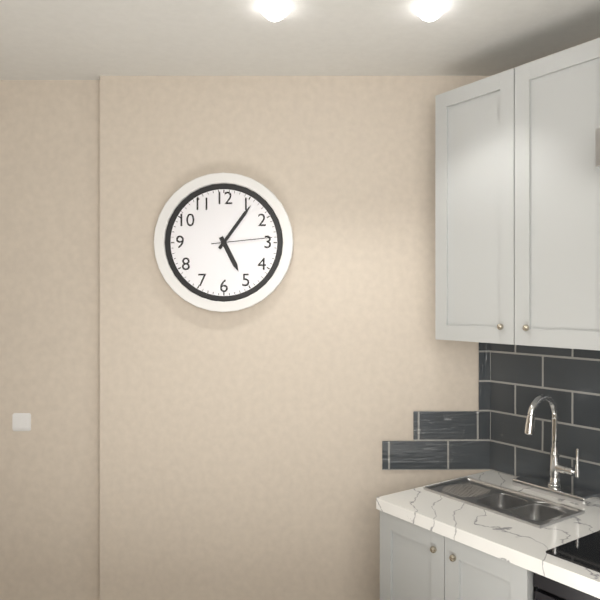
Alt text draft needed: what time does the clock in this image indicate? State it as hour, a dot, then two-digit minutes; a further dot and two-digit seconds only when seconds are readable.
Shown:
5.06.14
